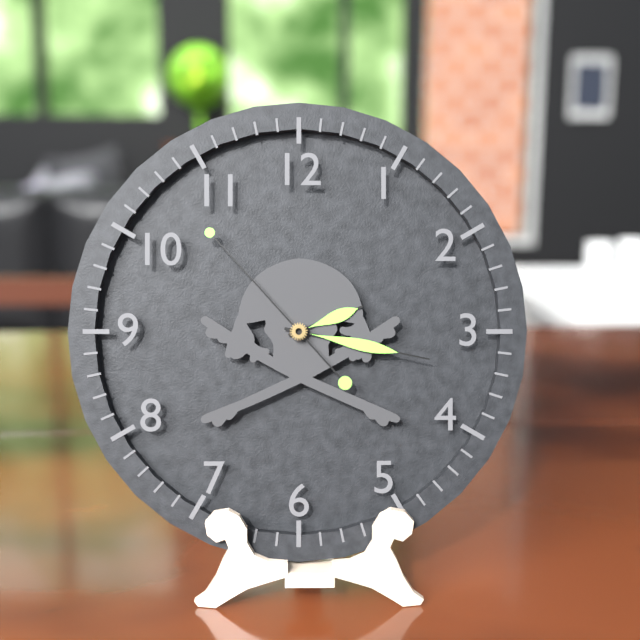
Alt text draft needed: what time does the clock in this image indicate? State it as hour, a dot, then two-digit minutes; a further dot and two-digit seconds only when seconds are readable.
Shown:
2.17.53
